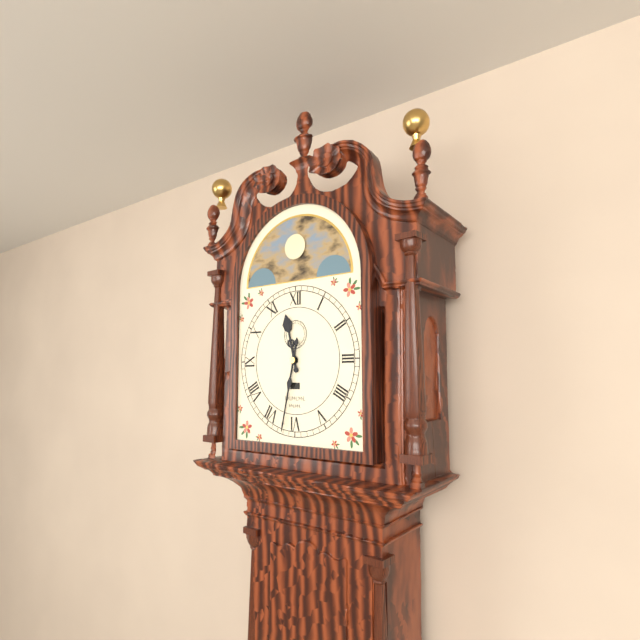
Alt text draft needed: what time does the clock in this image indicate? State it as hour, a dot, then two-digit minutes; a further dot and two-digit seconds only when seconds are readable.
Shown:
11.32
